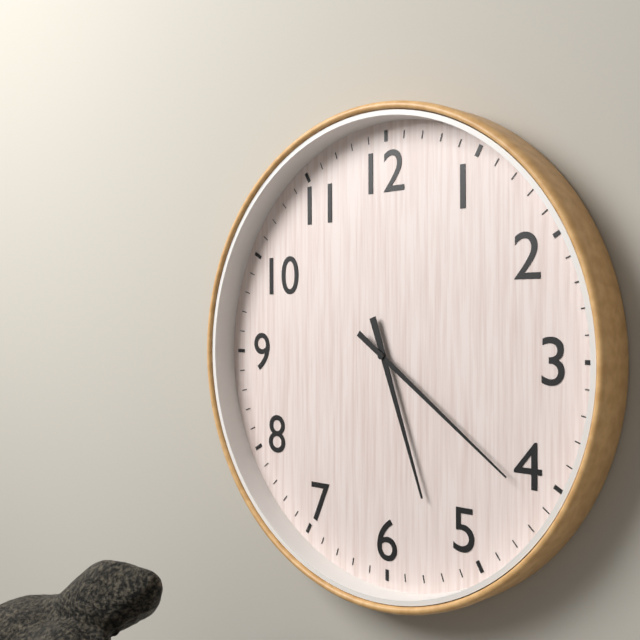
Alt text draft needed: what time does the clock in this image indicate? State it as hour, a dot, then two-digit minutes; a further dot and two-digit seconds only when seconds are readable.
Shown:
5.21
